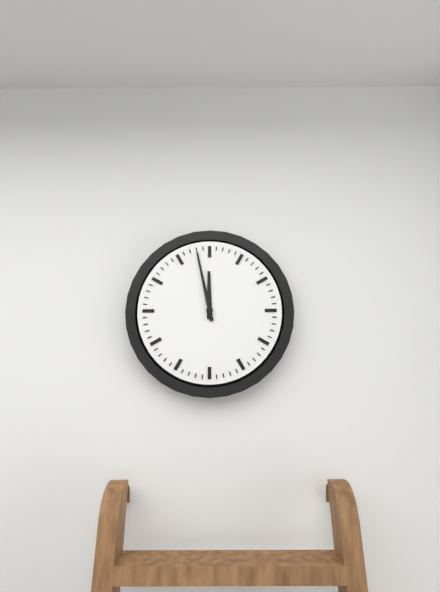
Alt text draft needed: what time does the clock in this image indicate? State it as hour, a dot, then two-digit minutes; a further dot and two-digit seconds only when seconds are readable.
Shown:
11.58
